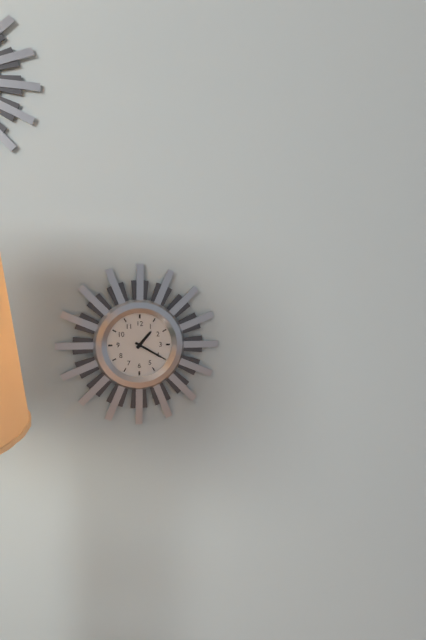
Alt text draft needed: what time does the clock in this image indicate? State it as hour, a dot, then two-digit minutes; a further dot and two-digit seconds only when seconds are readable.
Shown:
1.20
